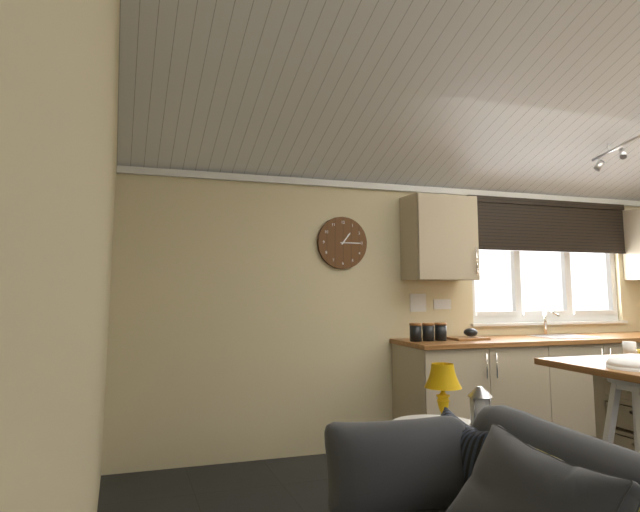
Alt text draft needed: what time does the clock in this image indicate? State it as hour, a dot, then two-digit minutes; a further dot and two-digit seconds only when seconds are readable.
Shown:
1.15
